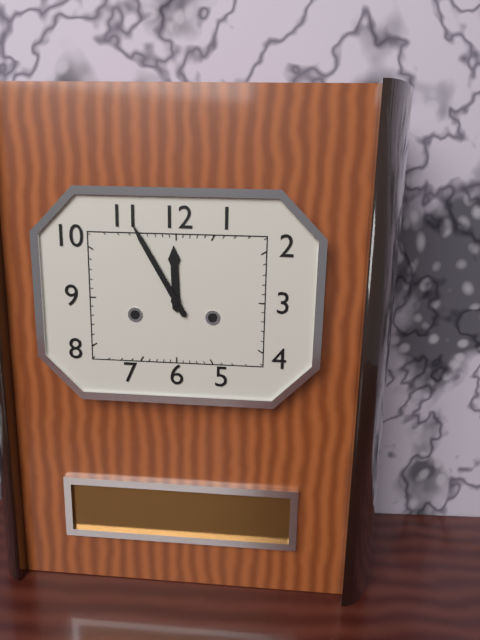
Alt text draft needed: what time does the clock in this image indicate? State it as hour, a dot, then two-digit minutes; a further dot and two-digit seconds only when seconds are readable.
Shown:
11.55
